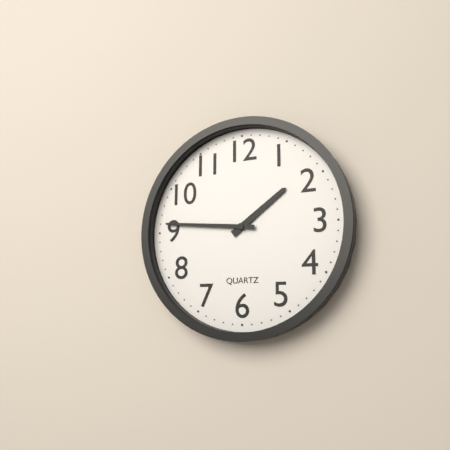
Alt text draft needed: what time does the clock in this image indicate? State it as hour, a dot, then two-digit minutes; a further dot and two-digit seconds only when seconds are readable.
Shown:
1.46
